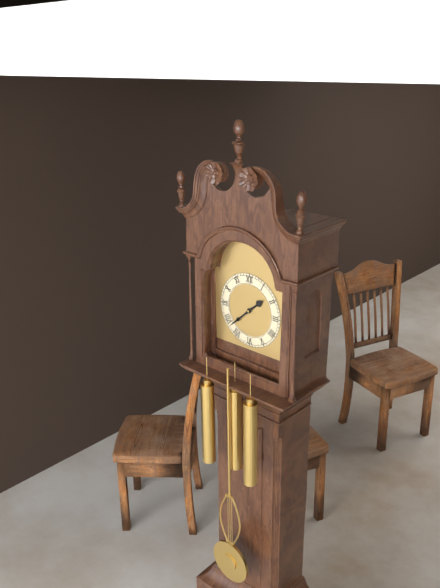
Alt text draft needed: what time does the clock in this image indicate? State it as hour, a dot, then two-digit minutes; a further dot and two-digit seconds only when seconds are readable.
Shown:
1.38
